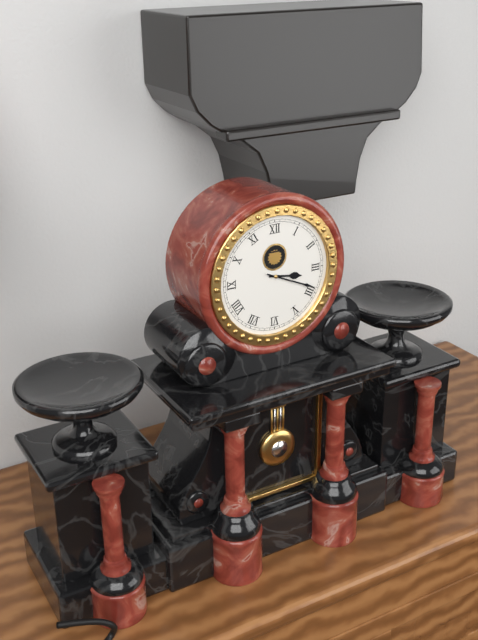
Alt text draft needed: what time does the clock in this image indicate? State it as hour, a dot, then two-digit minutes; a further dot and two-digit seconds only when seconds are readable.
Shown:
3.19
